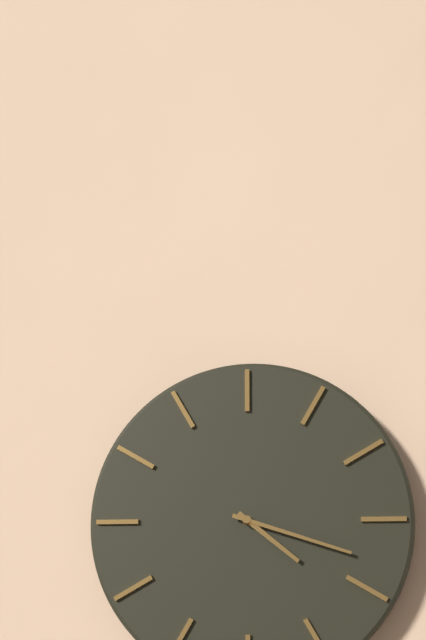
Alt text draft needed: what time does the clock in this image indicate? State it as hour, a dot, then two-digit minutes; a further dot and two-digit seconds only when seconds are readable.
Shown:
4.18
